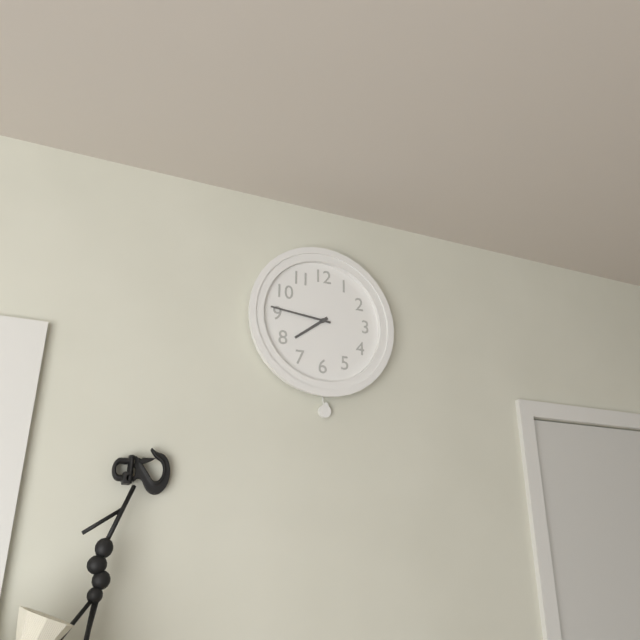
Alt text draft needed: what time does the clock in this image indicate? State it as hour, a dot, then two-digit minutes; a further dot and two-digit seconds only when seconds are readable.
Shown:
7.46
